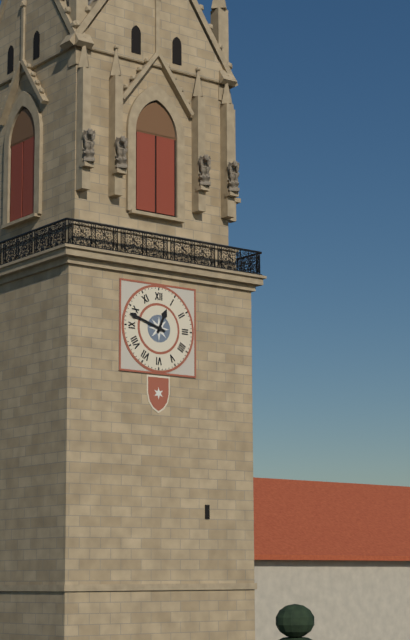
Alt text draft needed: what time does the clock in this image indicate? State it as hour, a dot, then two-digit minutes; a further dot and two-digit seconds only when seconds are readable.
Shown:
12.48
